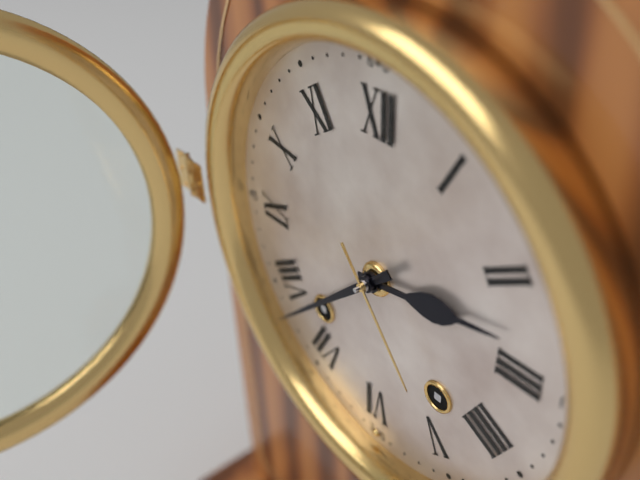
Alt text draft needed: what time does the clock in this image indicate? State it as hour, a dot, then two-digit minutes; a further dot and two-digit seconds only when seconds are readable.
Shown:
2.38
